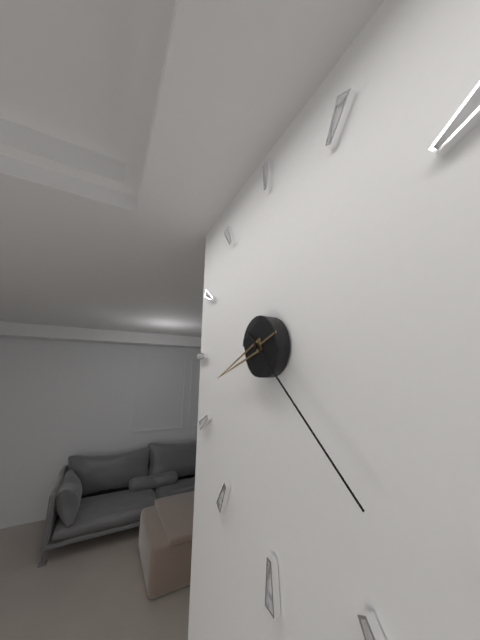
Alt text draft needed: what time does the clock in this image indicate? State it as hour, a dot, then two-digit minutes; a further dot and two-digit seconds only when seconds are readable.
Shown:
8.22
